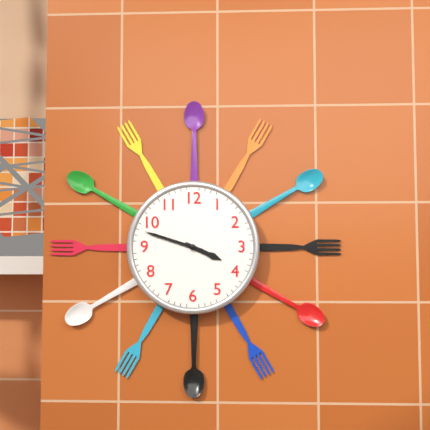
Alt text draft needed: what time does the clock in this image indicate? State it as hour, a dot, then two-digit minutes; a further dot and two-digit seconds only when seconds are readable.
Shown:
3.48
